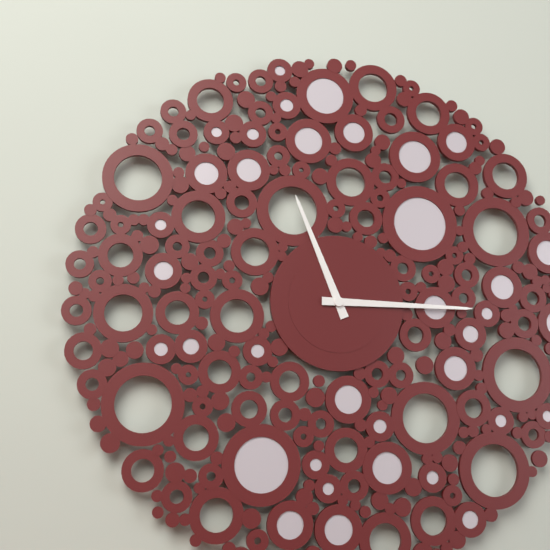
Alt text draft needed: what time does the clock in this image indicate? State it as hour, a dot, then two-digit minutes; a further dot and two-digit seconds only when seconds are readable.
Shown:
11.15
